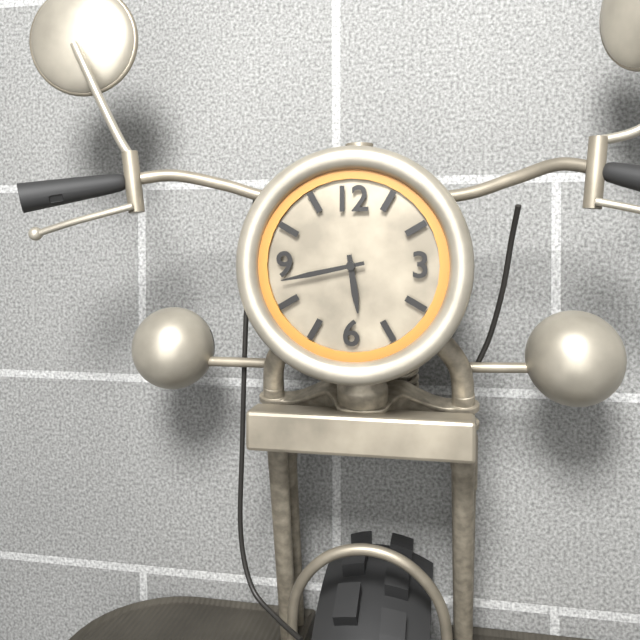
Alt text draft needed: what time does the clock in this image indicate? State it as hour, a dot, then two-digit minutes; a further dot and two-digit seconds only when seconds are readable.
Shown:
5.43
